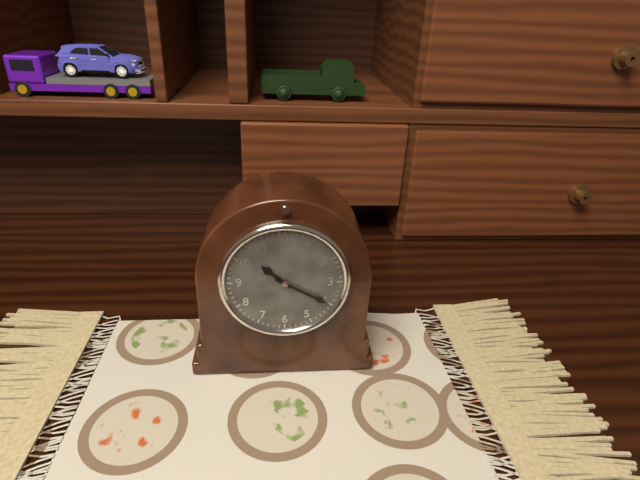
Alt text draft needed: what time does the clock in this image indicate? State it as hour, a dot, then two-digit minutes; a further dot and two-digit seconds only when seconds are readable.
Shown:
10.20
